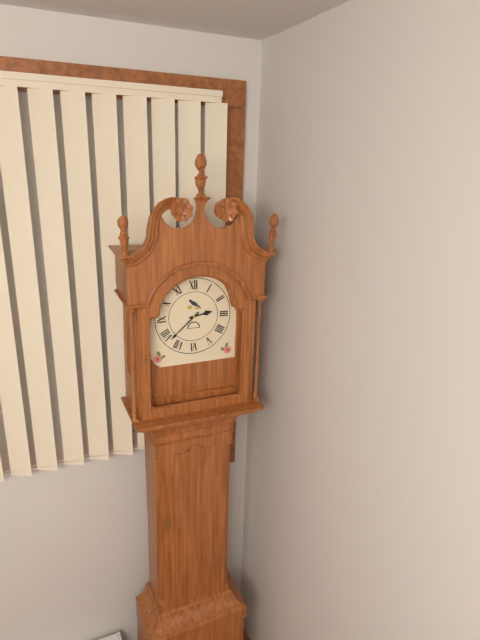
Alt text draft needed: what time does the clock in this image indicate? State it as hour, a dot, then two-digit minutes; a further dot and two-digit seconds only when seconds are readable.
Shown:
2.38
